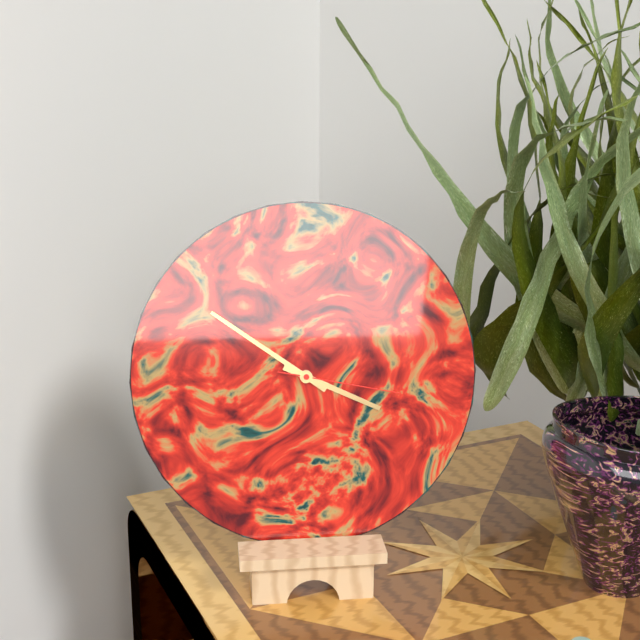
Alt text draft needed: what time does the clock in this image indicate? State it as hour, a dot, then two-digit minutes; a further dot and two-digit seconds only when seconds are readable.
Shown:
3.51.17
